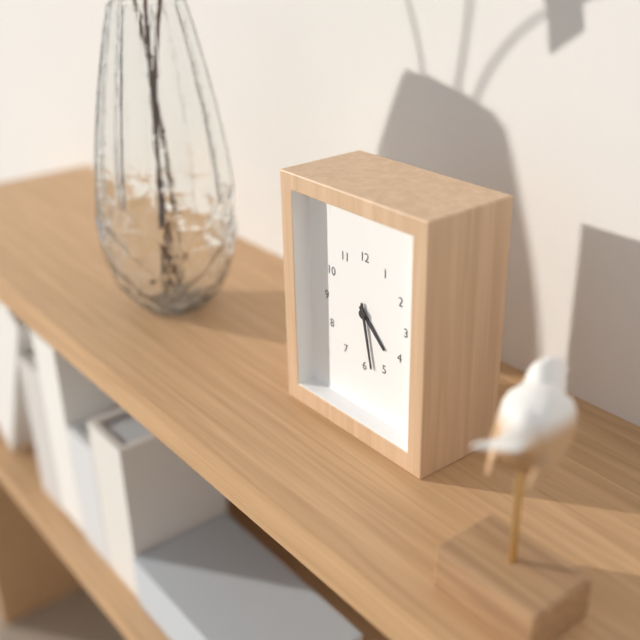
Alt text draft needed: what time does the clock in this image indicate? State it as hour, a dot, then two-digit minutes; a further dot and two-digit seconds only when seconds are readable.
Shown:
4.28
